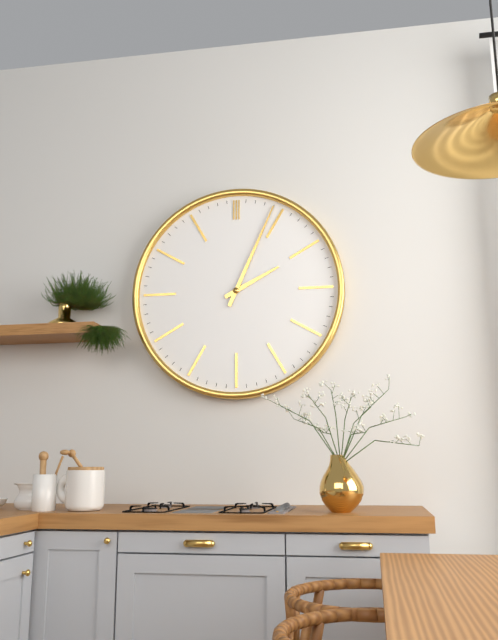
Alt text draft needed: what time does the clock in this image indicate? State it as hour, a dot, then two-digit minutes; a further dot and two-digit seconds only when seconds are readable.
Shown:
2.04
